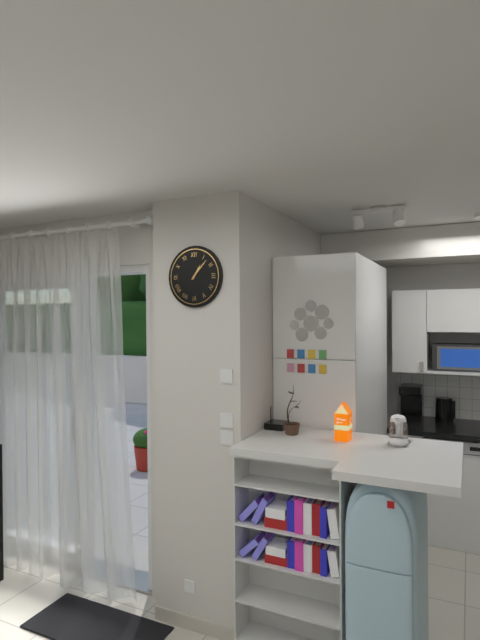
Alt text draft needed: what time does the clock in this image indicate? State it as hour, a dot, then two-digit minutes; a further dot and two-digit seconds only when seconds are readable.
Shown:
1.07
